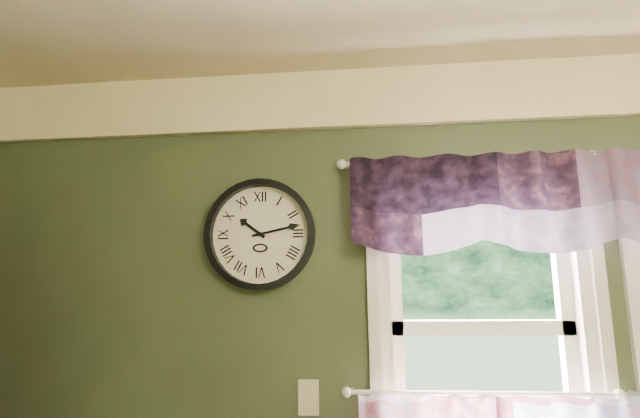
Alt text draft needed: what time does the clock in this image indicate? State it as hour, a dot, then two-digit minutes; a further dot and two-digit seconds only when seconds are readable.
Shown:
10.13
